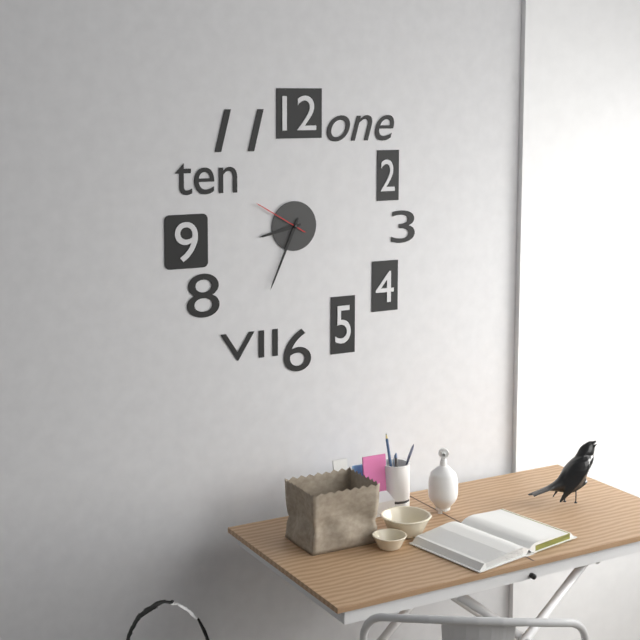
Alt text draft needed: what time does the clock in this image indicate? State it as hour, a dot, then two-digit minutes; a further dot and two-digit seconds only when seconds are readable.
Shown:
8.34.50
